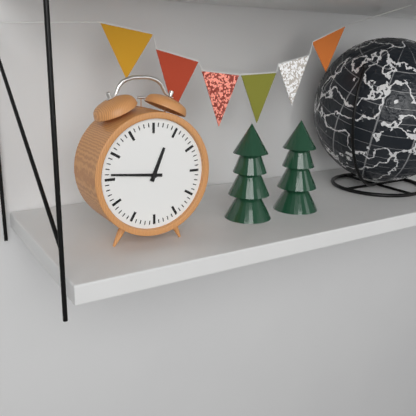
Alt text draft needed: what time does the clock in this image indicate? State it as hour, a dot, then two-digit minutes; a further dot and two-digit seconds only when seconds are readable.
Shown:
12.46
